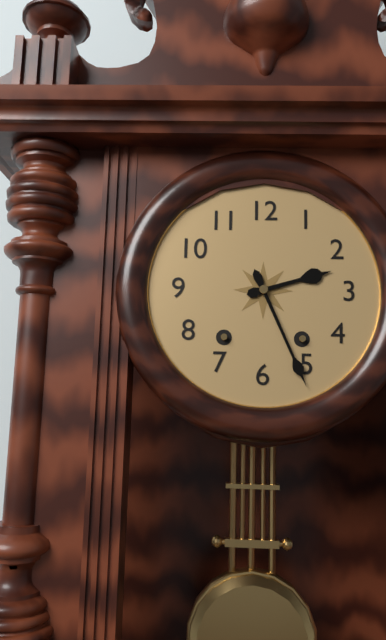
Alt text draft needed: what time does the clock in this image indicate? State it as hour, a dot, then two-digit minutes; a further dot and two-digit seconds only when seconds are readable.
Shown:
2.26
